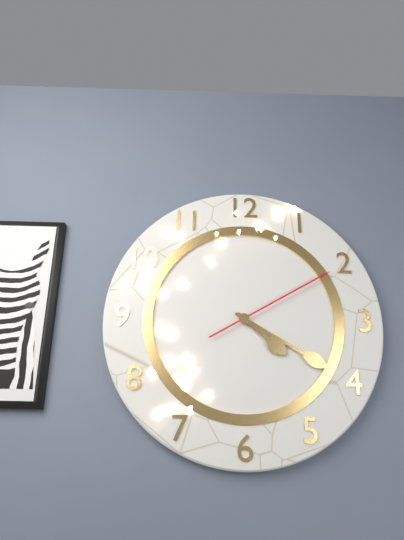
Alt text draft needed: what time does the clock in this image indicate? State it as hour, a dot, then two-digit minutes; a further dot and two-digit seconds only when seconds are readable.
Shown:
4.20.10
